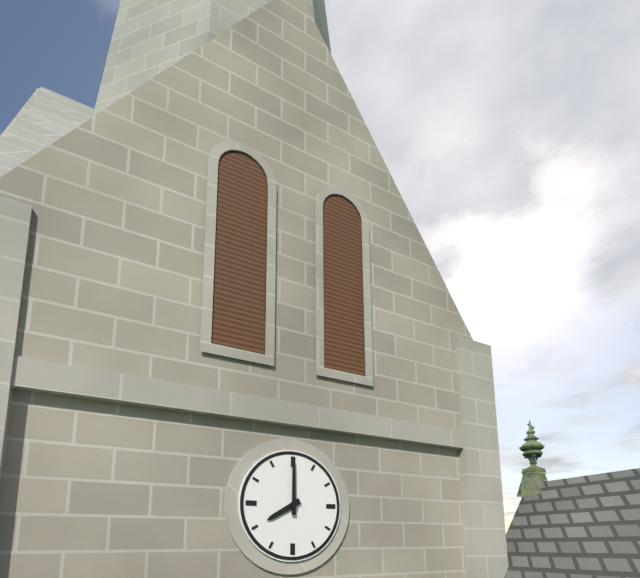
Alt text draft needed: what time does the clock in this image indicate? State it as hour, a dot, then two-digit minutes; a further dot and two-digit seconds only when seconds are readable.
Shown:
8.00
